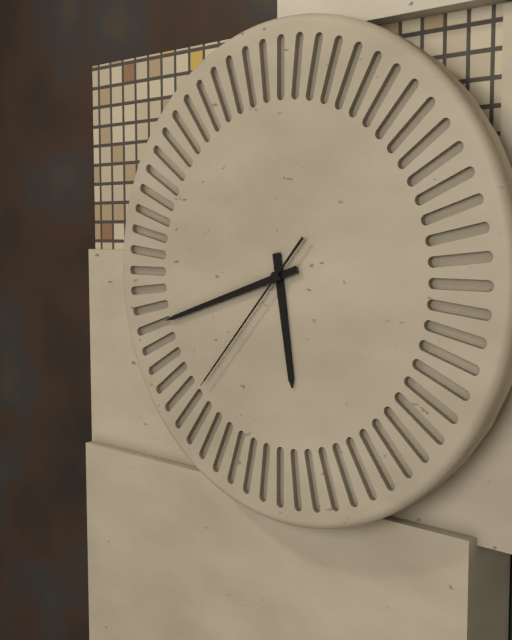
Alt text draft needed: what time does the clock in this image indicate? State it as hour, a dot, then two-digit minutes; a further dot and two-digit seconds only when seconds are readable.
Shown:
5.42.37
